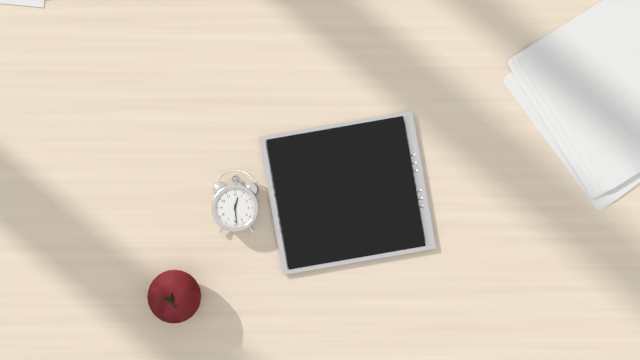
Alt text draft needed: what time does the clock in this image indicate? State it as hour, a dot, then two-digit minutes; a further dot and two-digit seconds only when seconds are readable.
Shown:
12.29
